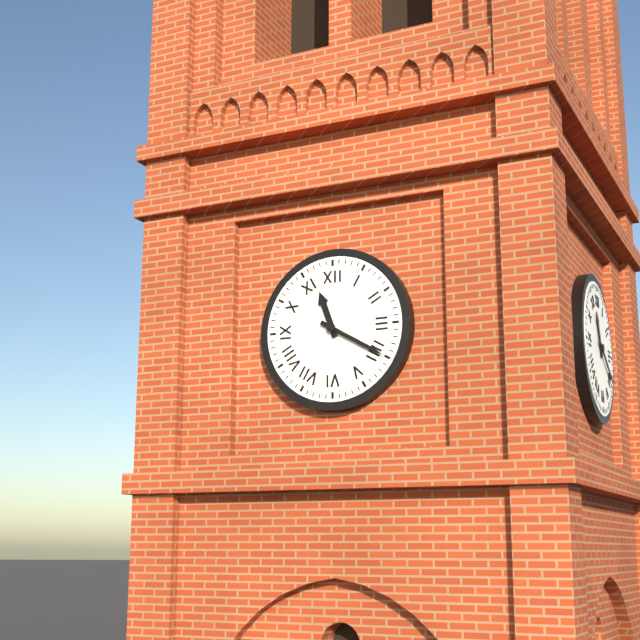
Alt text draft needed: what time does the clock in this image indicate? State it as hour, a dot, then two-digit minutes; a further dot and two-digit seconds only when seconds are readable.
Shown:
11.20
